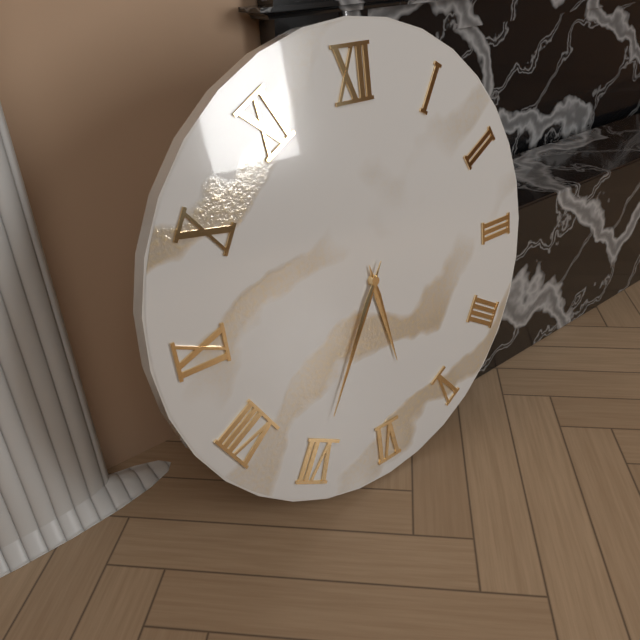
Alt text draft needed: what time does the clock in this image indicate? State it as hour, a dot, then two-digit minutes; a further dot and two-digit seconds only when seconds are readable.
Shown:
5.35
